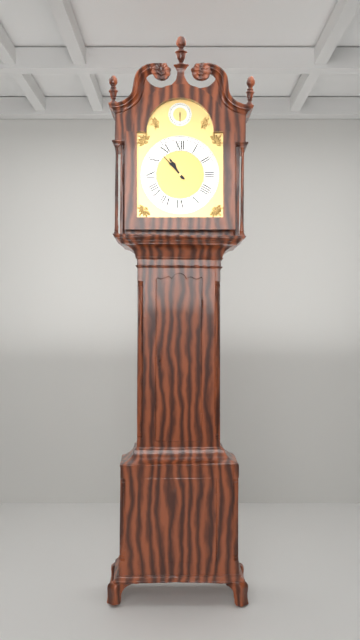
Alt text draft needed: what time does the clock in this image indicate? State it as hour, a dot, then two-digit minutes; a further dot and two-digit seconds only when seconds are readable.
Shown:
10.53
